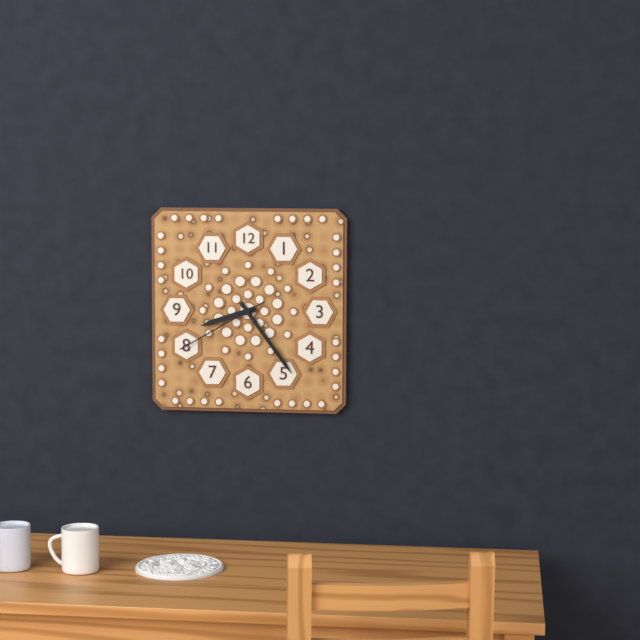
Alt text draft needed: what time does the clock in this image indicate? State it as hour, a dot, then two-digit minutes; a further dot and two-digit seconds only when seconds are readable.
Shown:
8.24.40
